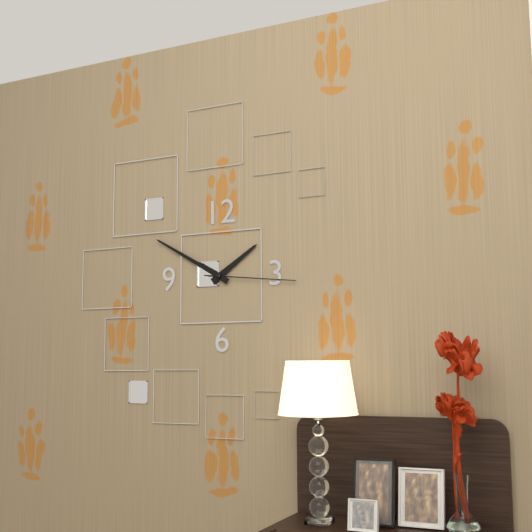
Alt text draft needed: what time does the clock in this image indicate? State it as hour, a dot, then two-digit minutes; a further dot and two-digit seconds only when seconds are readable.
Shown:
1.50.16
